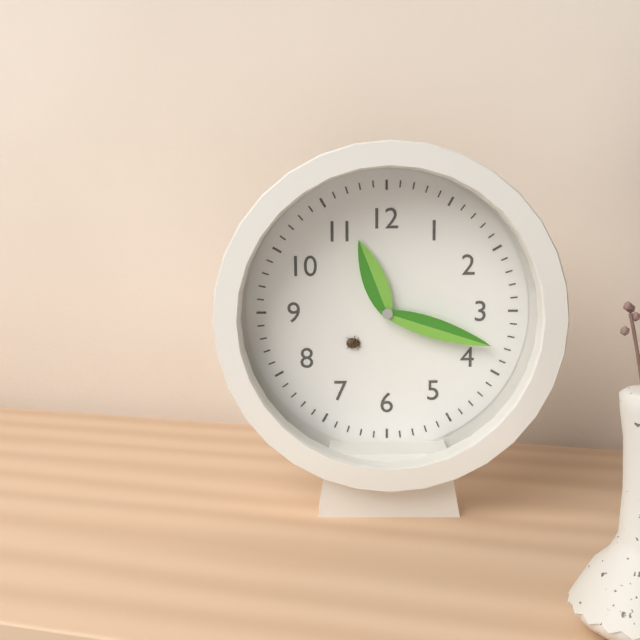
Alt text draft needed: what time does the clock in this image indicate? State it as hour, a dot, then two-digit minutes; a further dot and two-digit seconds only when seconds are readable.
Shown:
11.18
